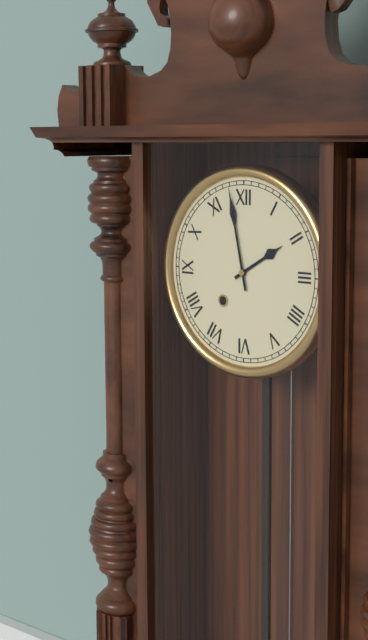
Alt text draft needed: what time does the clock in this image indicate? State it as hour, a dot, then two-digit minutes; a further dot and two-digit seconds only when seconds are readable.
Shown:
1.58
